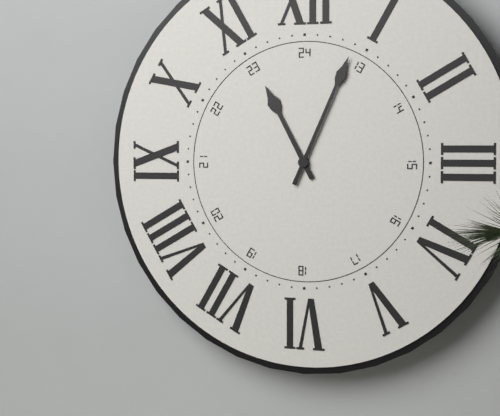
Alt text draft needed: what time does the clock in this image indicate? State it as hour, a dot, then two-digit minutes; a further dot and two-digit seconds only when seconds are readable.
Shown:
11.04
